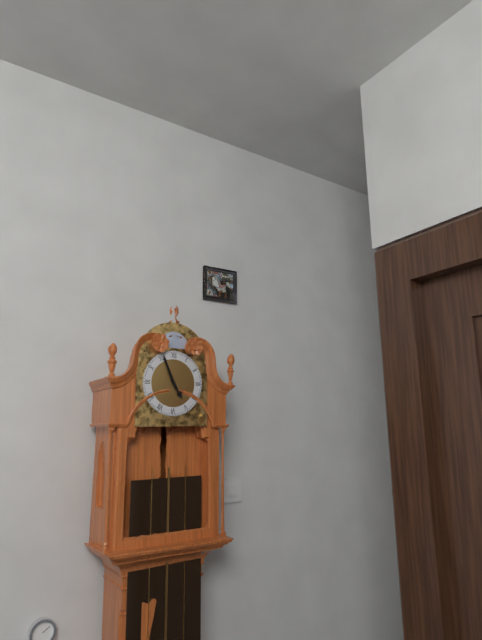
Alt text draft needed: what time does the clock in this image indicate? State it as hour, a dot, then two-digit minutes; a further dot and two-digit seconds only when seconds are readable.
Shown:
4.56
